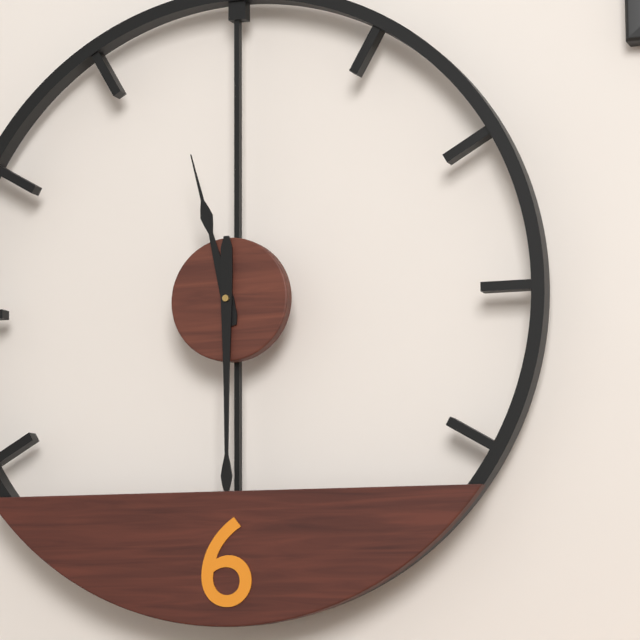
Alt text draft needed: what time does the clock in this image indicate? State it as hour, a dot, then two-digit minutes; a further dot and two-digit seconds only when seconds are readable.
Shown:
11.30
